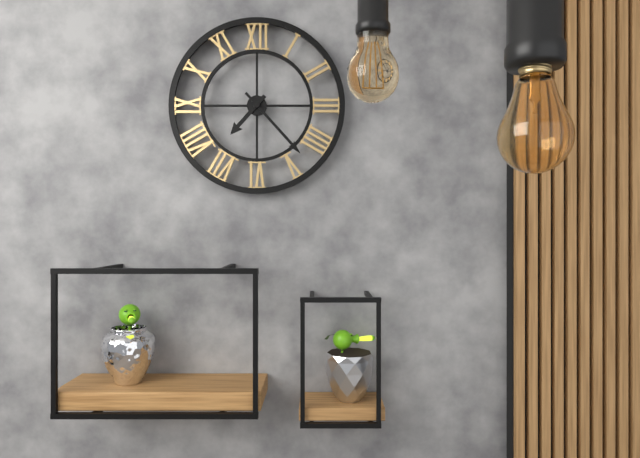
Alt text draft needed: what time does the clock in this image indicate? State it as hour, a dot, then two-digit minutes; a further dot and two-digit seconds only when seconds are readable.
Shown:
7.23
